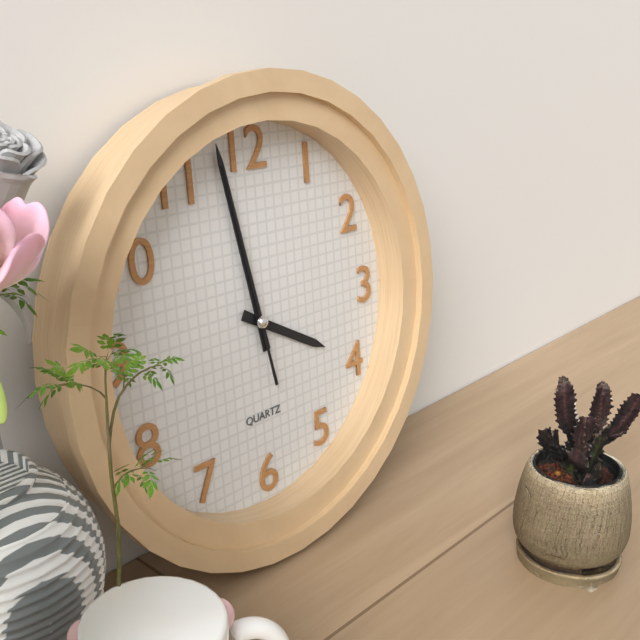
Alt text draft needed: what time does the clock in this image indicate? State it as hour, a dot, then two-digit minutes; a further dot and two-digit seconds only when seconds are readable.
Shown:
3.58.58
